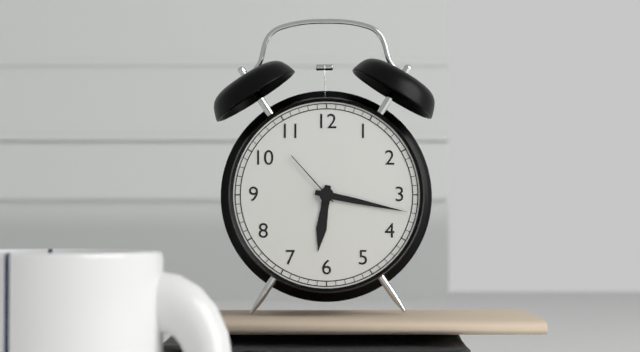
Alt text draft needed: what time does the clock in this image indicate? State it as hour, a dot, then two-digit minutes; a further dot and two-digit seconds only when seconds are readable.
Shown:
6.17.53
